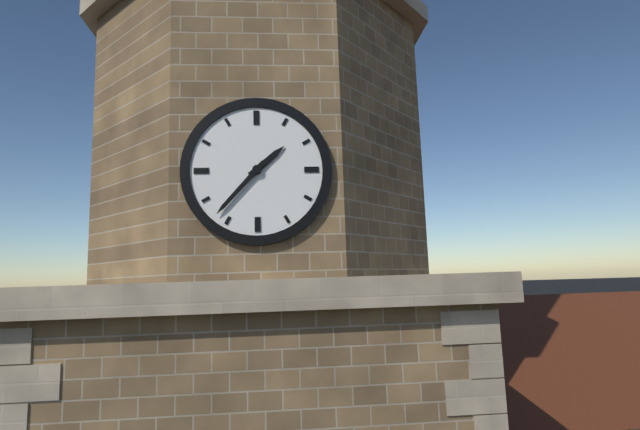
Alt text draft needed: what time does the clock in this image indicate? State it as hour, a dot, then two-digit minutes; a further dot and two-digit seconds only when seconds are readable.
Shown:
1.37
